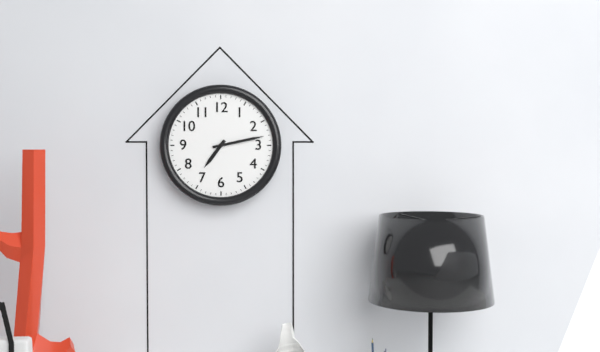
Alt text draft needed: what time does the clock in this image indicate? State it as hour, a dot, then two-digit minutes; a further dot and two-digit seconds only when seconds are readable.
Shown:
7.13
